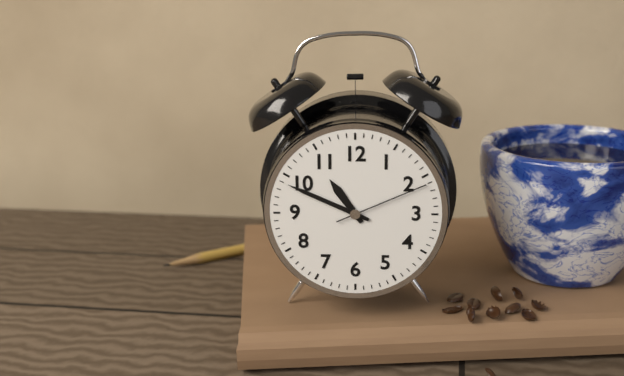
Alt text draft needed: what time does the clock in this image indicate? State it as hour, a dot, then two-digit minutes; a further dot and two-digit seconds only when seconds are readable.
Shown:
10.49.11
